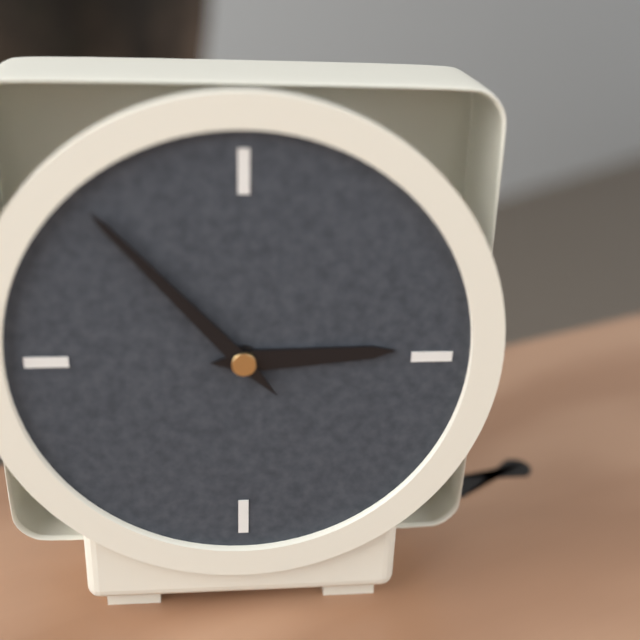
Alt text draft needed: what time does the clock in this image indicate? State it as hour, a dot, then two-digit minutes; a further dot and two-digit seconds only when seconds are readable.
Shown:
2.53
